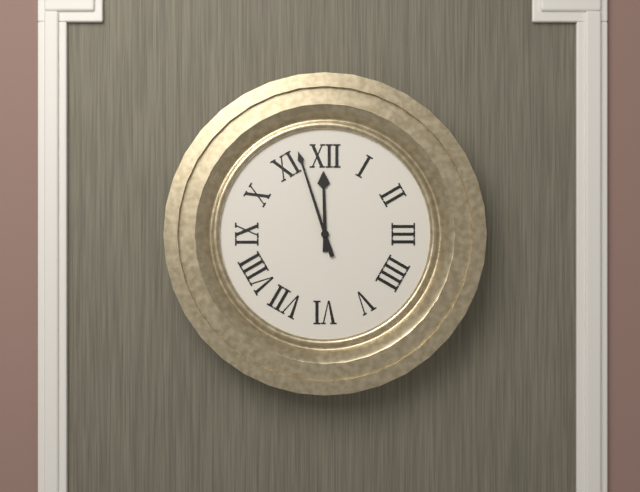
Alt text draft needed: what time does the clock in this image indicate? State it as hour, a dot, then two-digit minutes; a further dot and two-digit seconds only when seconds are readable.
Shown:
11.57
